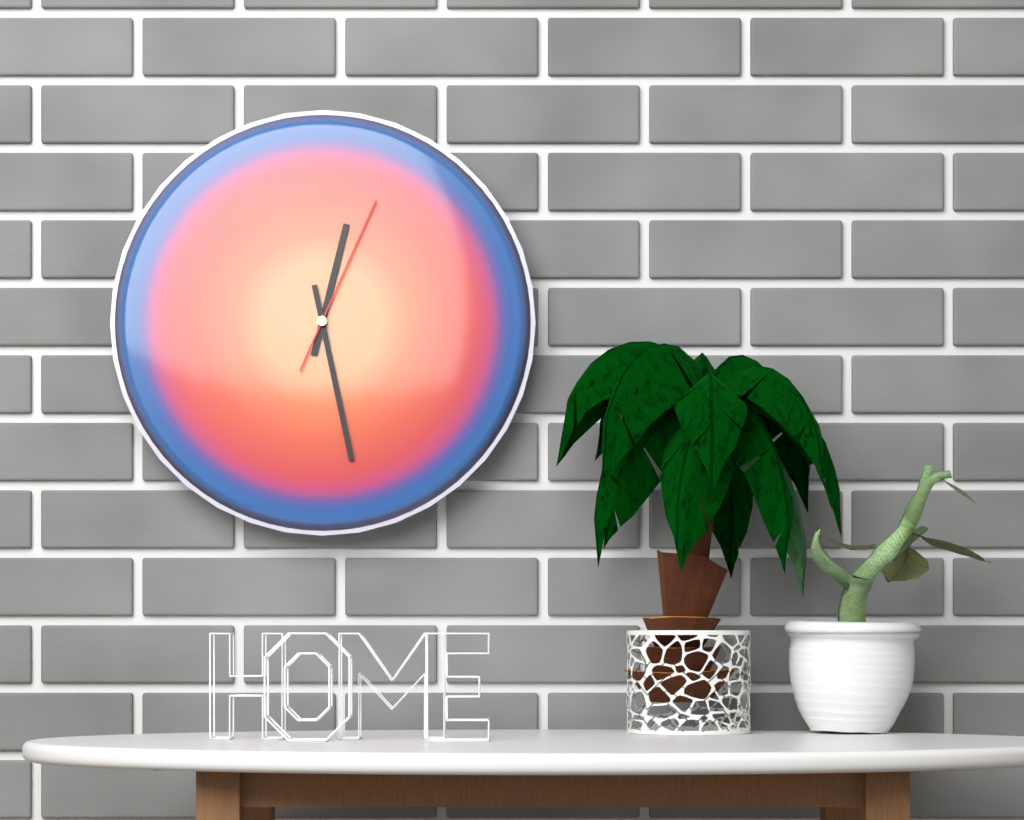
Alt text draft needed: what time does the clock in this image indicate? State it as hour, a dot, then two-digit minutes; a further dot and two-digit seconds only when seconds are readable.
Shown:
12.28.04
